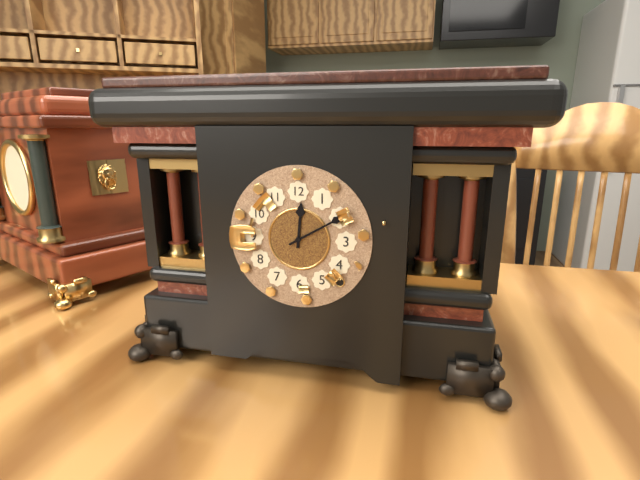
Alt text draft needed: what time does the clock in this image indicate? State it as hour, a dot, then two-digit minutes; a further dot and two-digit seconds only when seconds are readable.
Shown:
12.10
